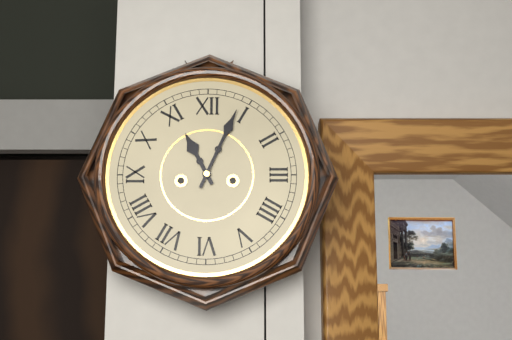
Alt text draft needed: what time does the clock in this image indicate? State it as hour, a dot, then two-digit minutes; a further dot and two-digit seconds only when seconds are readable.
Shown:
11.04
